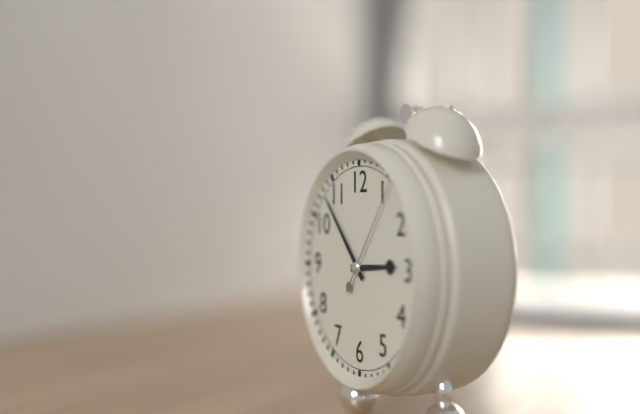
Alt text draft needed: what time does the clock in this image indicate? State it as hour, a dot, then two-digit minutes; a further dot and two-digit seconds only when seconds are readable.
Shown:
2.53.06
